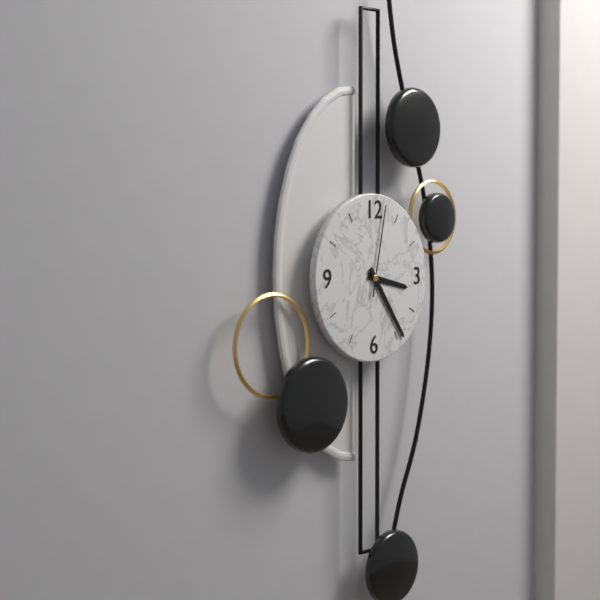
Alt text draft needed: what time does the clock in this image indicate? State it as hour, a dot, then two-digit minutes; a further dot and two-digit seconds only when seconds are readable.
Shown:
3.24.02
